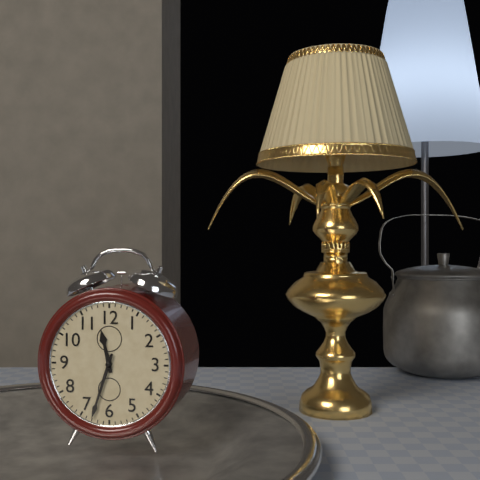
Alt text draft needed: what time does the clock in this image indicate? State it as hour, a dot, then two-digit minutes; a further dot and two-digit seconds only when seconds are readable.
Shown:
11.33
